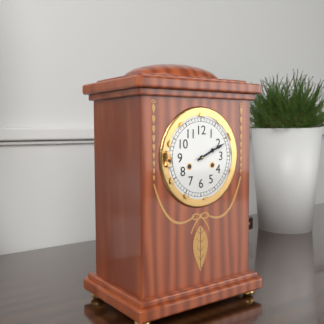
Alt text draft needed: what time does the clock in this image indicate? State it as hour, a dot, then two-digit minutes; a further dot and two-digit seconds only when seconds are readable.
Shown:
2.11
